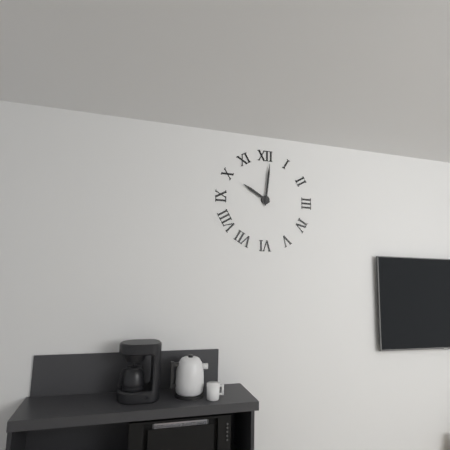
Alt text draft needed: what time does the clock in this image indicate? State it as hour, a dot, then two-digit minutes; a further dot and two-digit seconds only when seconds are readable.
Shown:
10.01
